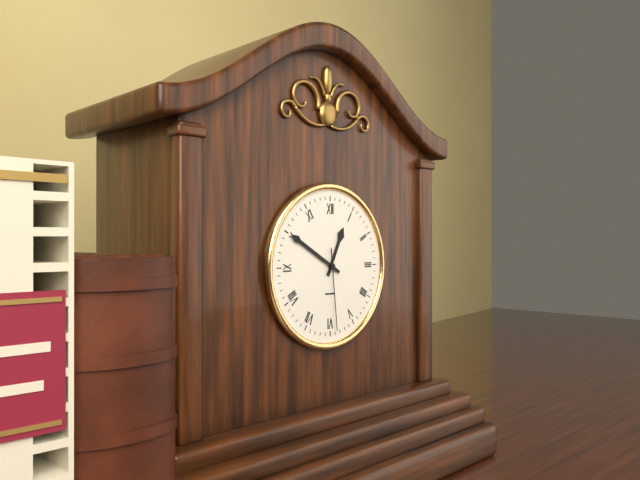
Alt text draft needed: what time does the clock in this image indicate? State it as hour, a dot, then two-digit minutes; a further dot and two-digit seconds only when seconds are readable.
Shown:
12.50.29
